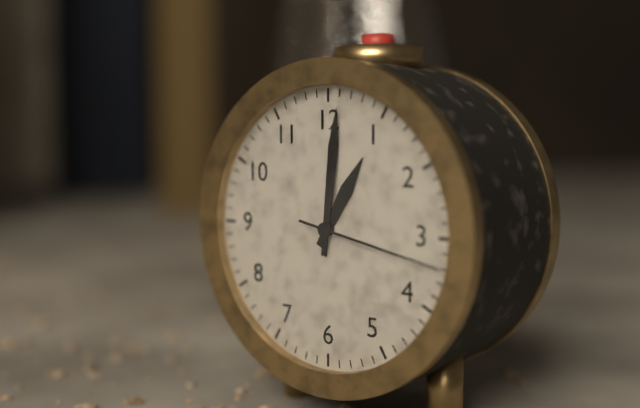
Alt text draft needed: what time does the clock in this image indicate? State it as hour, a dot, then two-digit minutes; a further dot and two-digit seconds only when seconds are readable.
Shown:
1.01.17
